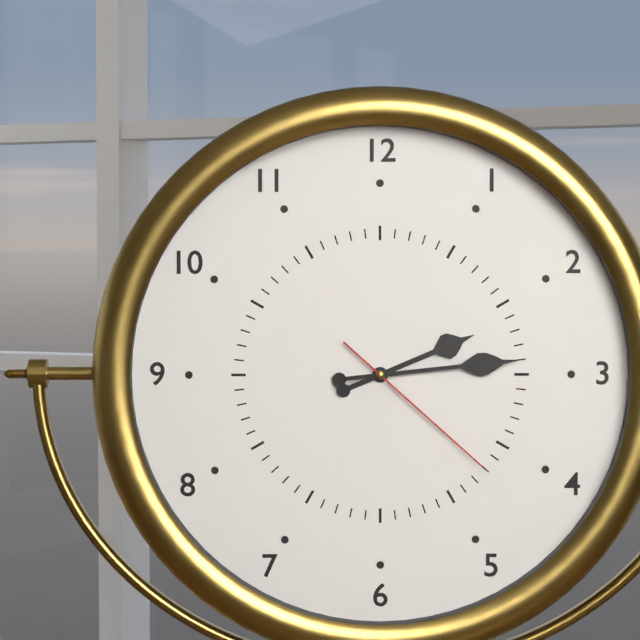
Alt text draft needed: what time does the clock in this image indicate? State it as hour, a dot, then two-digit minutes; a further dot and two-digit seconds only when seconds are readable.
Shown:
2.14.22
